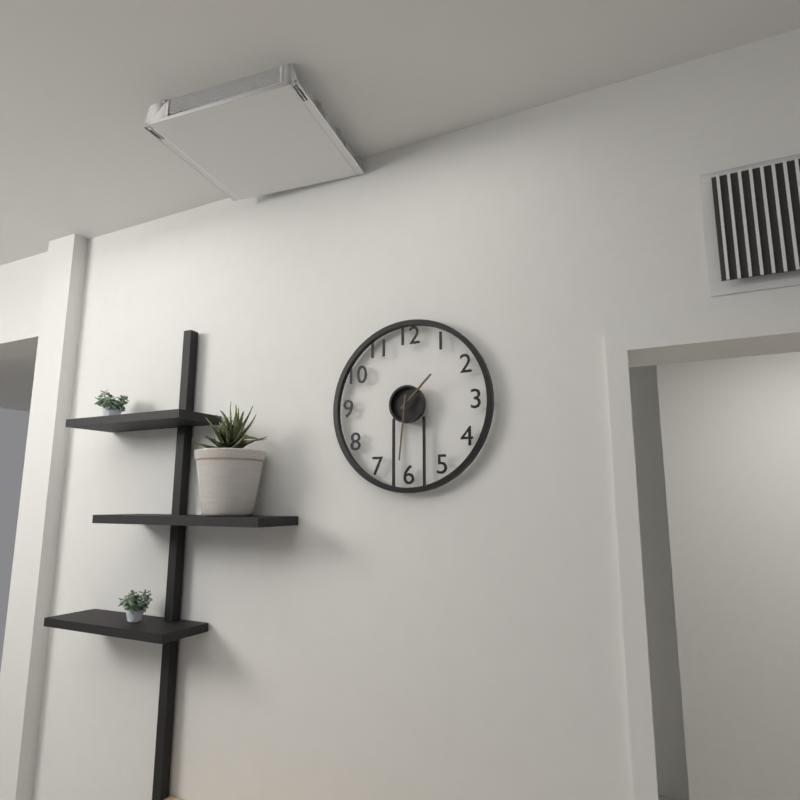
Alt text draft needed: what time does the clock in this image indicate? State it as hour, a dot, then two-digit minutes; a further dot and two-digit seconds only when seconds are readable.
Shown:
1.31
